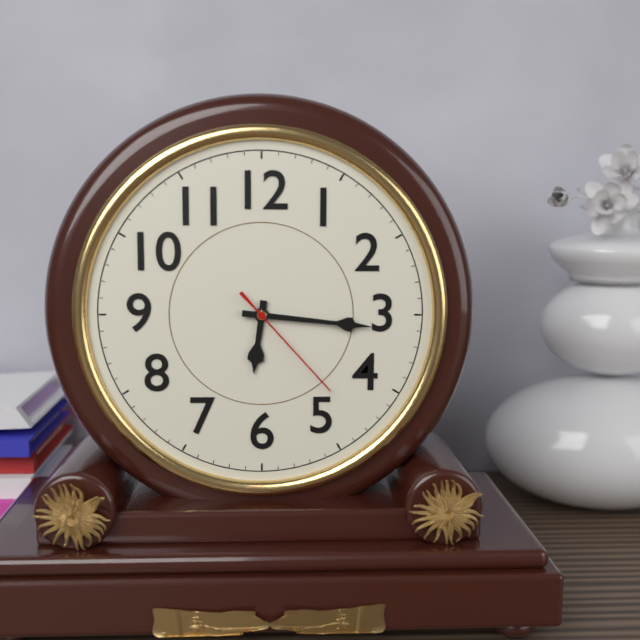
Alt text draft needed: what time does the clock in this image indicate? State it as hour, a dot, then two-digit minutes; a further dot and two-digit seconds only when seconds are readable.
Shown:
6.16.23
